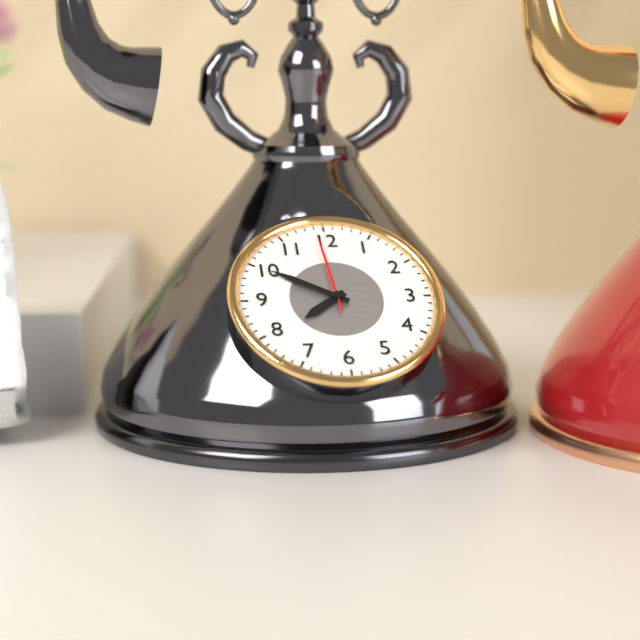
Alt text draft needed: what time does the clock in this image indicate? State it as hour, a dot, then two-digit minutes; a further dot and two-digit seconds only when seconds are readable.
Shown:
7.50.59
